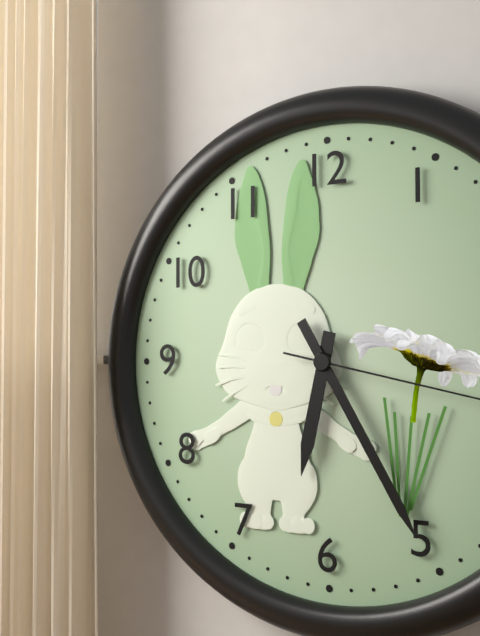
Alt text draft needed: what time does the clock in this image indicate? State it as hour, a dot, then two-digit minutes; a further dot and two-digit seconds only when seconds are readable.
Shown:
6.25
